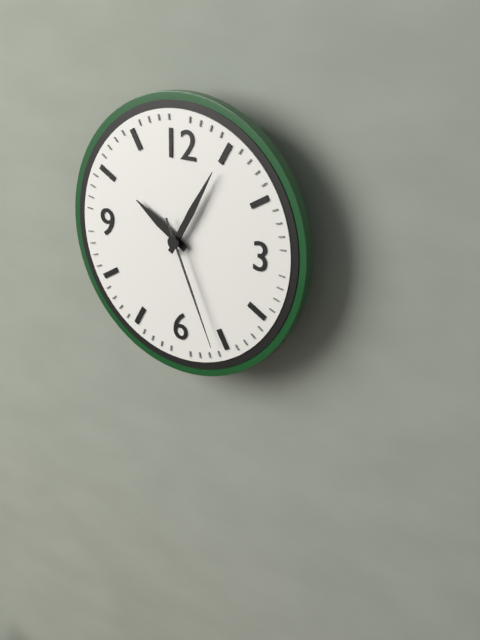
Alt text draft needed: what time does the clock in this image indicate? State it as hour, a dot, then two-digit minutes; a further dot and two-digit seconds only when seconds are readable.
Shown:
10.05.26
